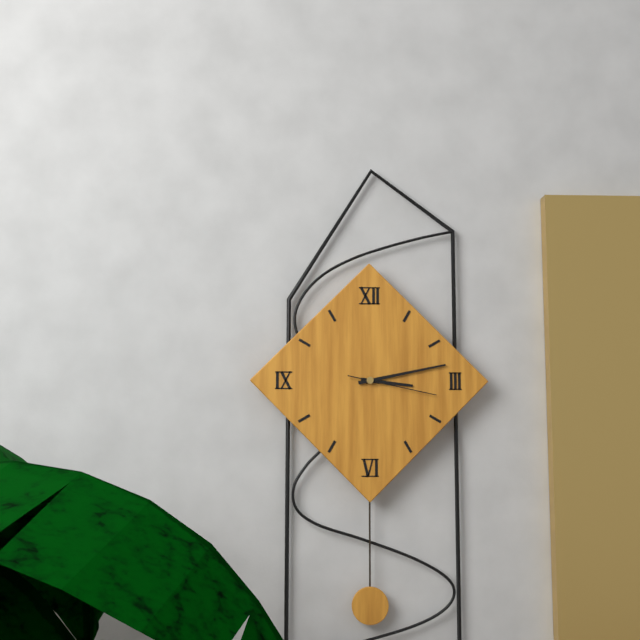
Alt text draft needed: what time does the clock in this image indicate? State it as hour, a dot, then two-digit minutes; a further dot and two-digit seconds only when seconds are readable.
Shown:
3.13.17
